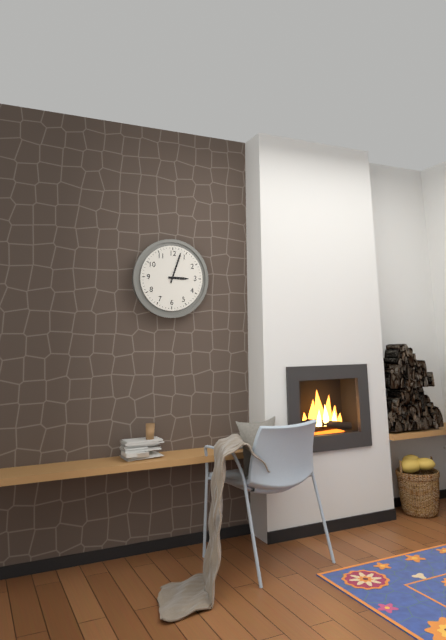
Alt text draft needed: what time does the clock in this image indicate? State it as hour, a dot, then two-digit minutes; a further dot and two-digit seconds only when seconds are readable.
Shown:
3.03
